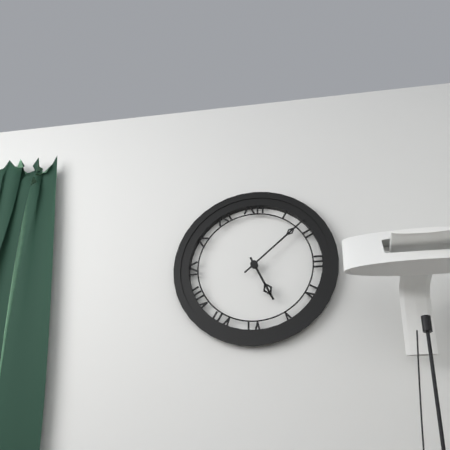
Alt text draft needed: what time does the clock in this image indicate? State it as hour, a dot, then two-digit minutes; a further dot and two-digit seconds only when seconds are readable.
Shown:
5.08
